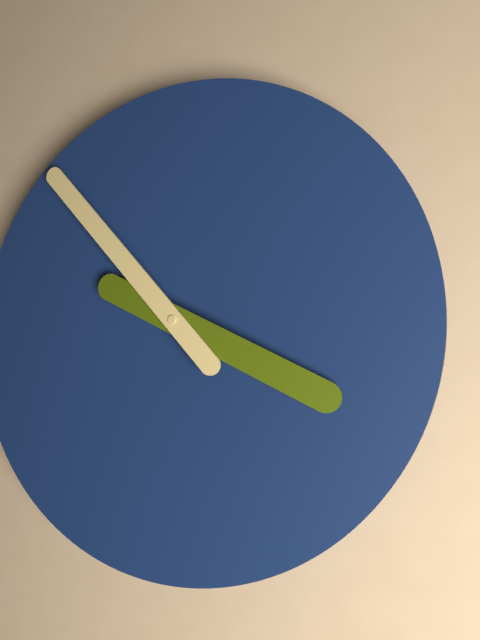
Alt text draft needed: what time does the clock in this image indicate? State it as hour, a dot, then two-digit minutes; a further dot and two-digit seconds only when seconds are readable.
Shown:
3.53
